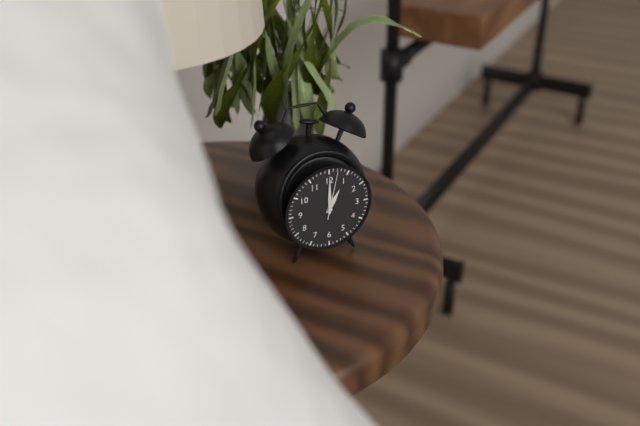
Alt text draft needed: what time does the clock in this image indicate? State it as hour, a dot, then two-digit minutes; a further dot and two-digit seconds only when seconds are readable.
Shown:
1.00
